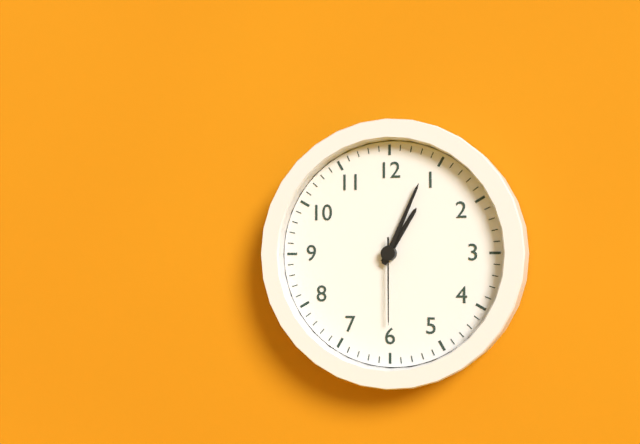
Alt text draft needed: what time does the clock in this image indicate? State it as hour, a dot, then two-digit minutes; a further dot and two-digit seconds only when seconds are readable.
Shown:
1.04.30
